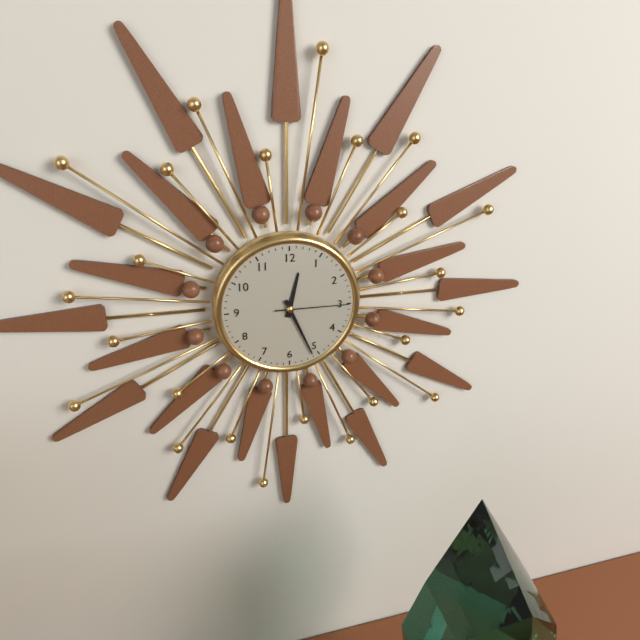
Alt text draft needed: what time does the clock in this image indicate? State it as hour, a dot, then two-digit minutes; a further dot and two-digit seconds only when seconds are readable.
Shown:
12.26.15
